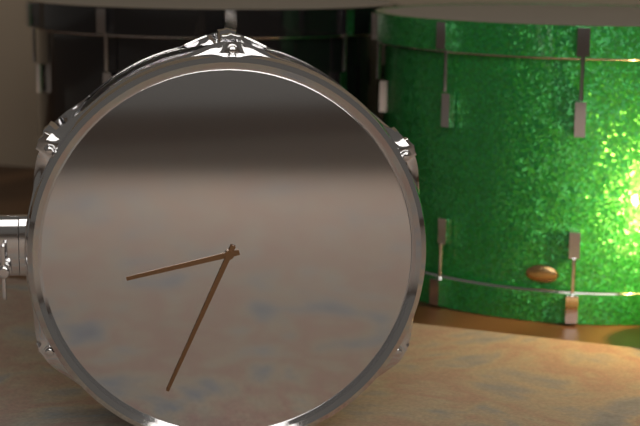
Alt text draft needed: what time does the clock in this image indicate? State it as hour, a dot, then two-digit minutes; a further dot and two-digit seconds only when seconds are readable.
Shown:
8.34
